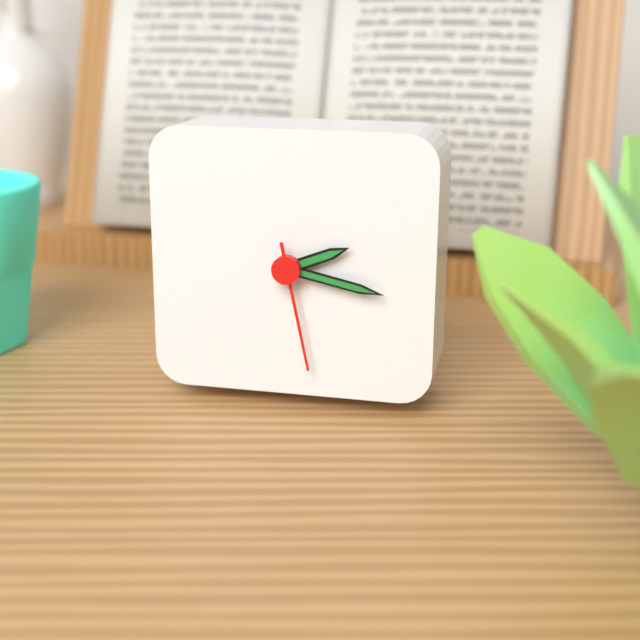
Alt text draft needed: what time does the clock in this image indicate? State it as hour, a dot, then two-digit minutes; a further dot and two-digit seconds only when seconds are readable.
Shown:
2.17.28
